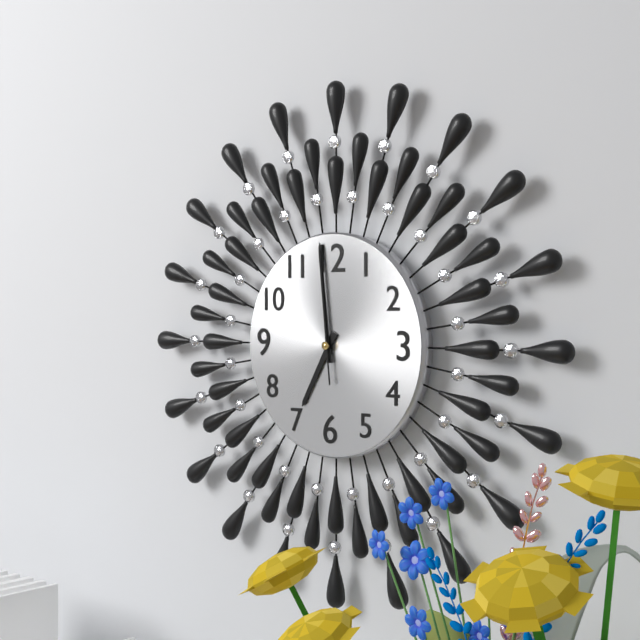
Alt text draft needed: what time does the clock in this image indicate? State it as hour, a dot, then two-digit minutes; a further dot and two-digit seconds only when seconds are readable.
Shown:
6.59.59
